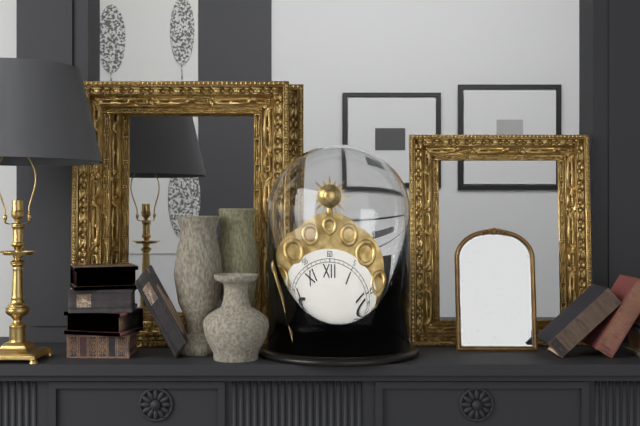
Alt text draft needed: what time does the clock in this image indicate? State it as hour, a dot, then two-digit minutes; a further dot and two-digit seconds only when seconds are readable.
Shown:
8.43
